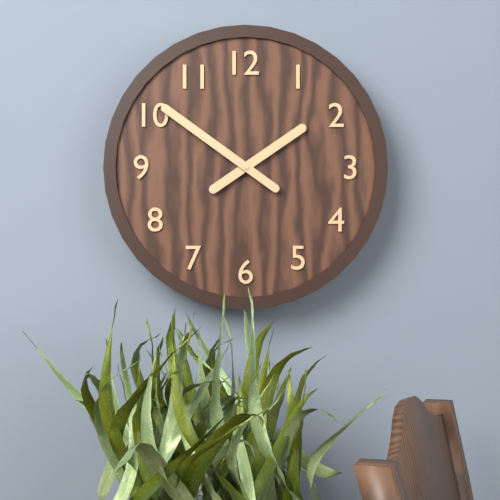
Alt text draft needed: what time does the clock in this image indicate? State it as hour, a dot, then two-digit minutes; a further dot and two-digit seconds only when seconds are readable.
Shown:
1.51
